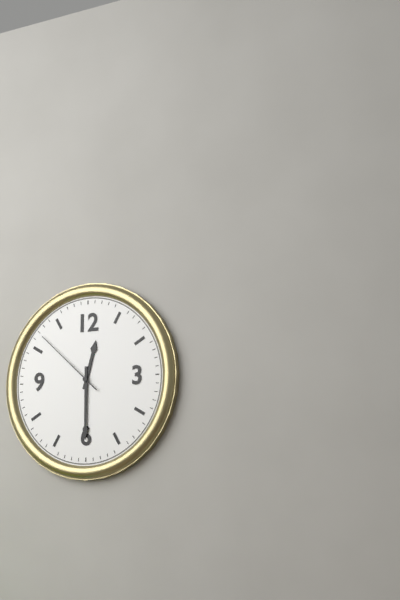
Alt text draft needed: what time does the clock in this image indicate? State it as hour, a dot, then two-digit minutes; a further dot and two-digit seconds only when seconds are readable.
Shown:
12.30.52
